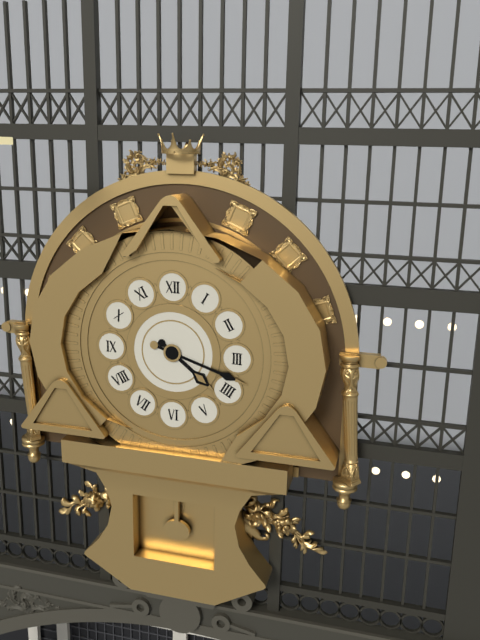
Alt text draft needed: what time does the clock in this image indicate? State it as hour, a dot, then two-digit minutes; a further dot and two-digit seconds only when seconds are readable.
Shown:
4.18
